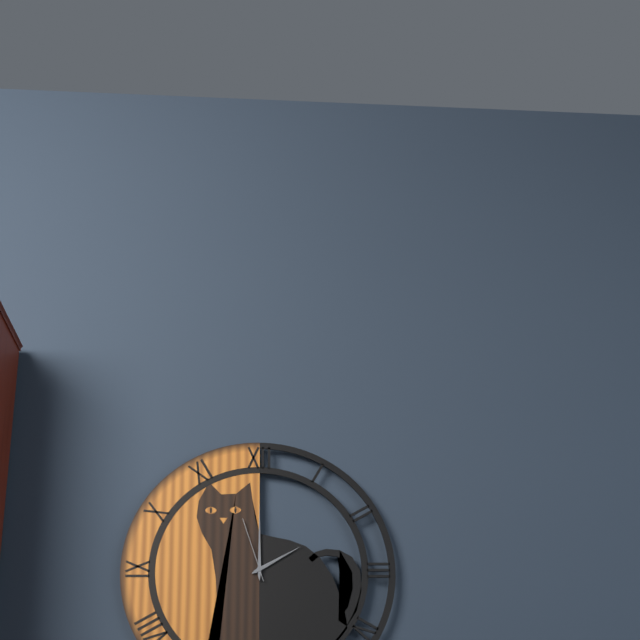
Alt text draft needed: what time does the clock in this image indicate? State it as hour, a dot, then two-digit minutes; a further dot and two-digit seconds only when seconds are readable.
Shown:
2.00.57
